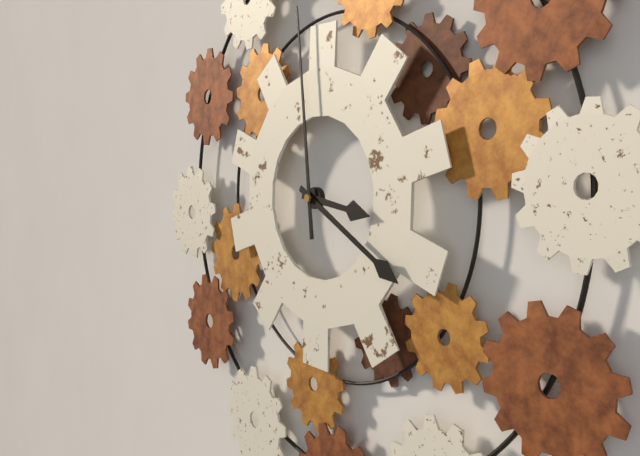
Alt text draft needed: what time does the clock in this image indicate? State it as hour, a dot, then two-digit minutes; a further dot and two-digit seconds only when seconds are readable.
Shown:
3.20.59
